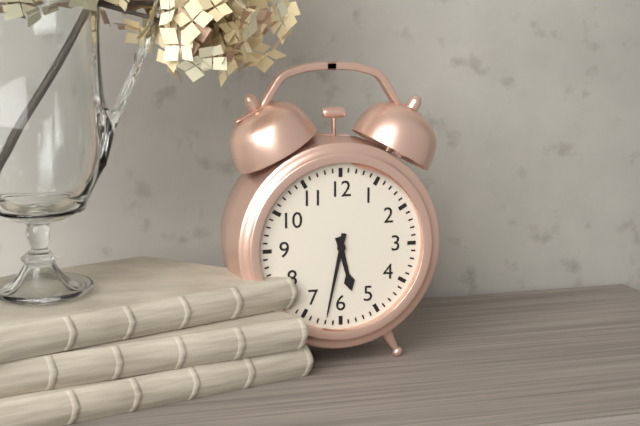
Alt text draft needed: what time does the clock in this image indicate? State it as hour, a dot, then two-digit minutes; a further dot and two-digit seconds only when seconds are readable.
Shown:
5.32
